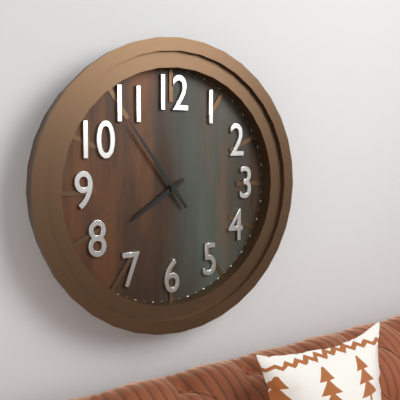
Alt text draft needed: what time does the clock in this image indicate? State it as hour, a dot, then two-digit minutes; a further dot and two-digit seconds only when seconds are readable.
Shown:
7.54
